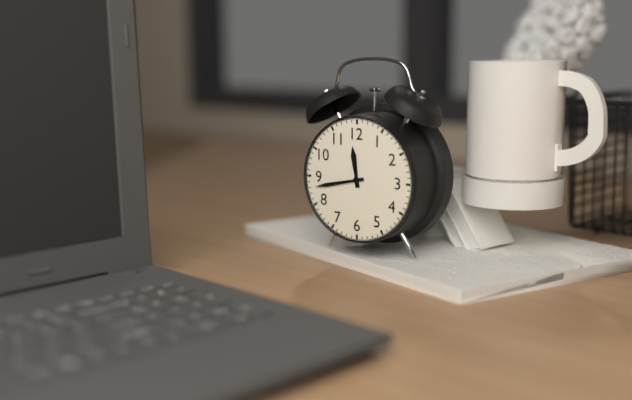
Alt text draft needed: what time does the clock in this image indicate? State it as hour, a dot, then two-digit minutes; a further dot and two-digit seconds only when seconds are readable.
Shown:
11.43
